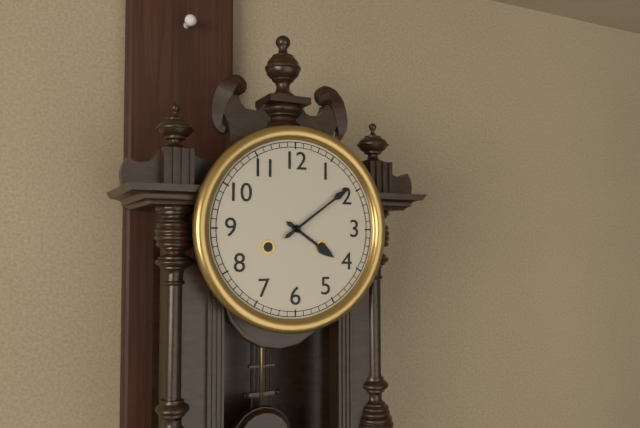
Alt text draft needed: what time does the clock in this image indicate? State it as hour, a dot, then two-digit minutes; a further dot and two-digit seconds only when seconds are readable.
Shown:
4.09
